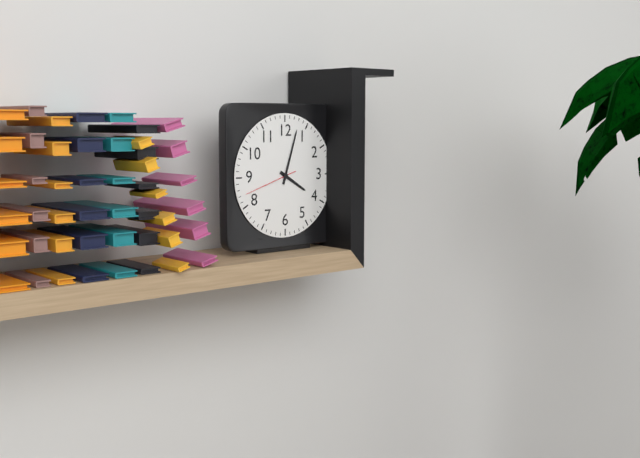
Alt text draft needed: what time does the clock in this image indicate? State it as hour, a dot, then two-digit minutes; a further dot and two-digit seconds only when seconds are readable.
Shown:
4.03.42
